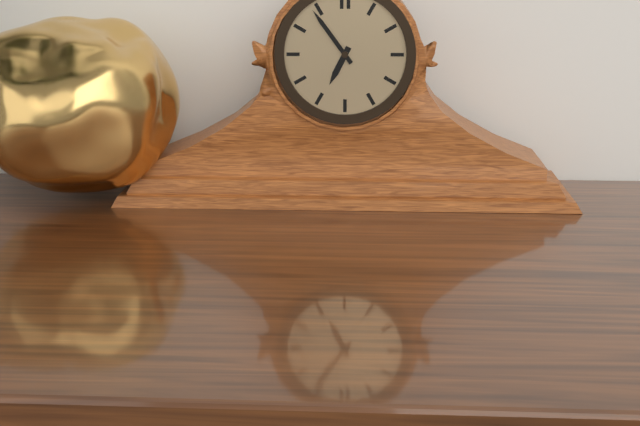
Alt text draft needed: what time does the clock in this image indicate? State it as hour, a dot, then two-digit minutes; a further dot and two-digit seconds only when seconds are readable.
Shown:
6.54
